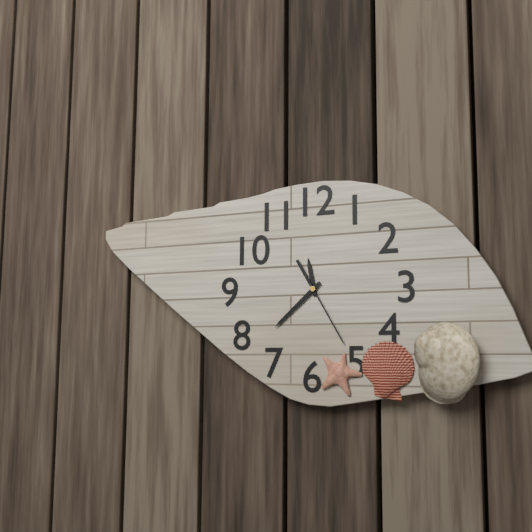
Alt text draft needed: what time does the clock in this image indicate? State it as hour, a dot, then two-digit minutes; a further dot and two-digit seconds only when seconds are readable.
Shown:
11.38.25
